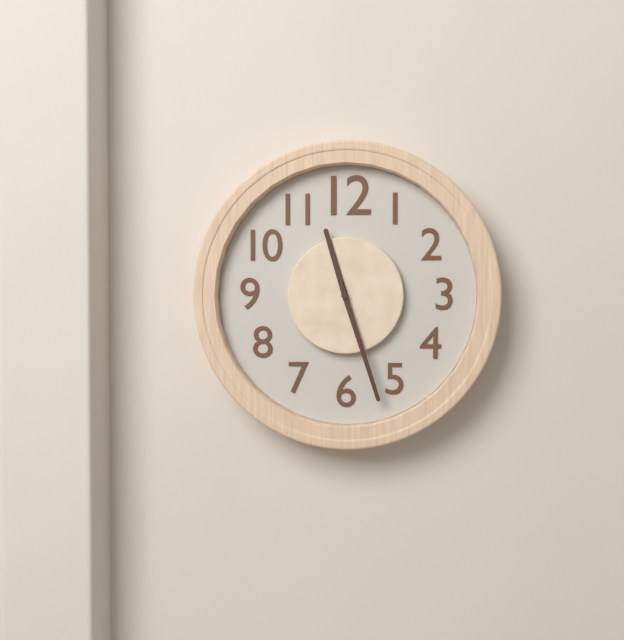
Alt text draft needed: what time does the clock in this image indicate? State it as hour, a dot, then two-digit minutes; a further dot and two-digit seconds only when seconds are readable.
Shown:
11.27
